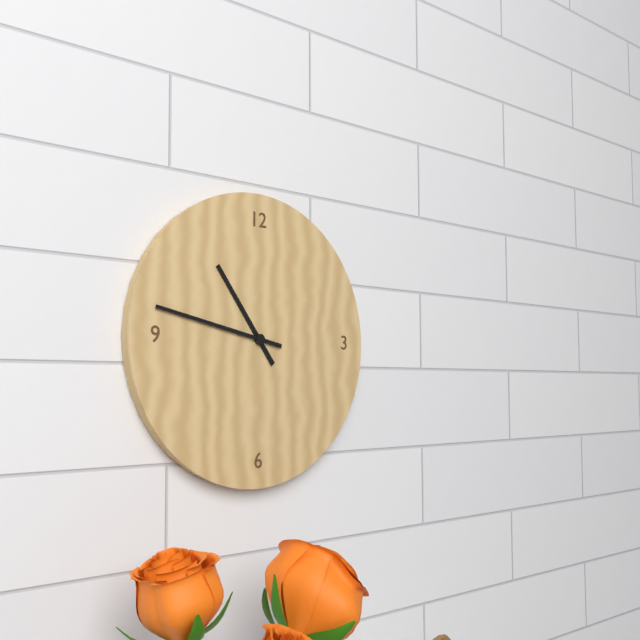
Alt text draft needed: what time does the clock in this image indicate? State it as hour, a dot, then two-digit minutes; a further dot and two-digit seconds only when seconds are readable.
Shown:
10.47
